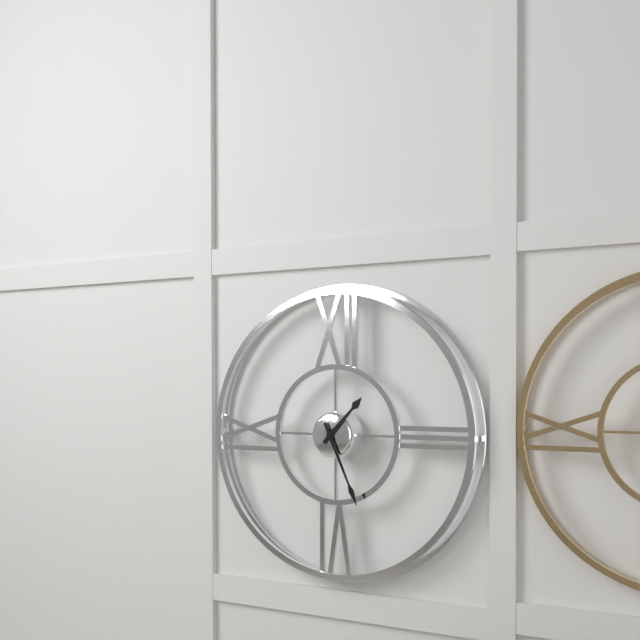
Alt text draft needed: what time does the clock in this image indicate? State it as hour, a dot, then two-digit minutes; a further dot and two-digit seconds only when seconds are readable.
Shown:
1.26
